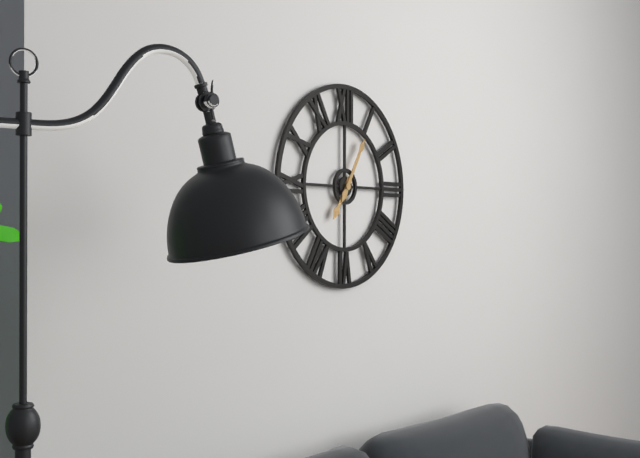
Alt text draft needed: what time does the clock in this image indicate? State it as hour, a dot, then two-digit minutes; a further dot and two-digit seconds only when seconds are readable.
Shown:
7.05
